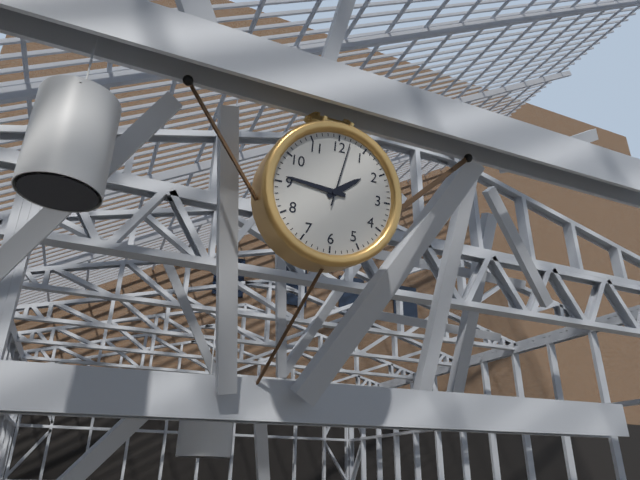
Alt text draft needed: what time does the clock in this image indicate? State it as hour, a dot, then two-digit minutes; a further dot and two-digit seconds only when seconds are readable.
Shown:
1.46.02
